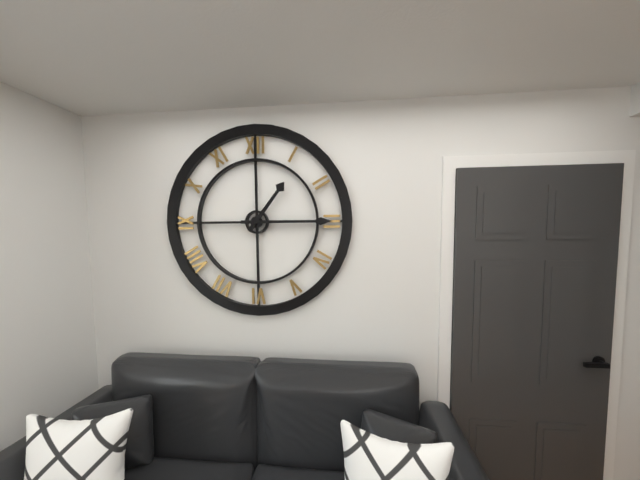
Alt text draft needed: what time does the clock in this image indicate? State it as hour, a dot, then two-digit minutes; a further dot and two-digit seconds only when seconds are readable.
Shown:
1.15
